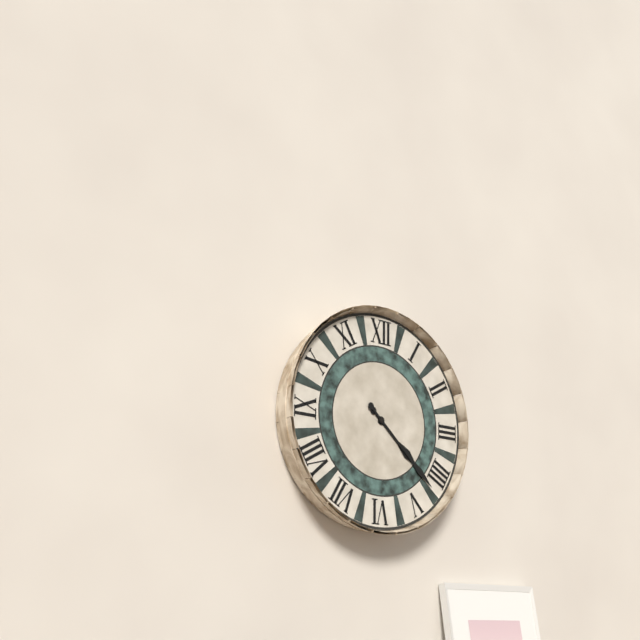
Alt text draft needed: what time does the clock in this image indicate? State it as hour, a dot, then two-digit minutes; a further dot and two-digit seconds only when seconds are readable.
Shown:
4.22
